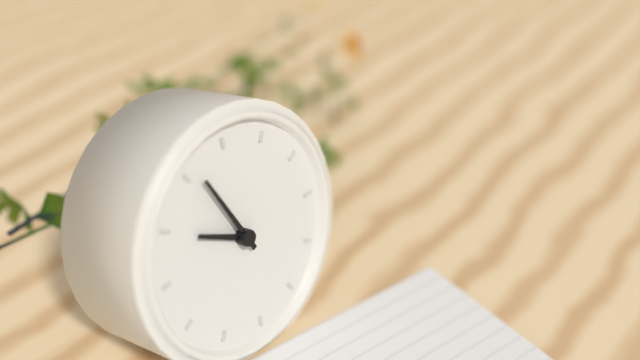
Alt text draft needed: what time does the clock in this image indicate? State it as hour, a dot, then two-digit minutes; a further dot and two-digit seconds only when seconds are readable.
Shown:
9.56
